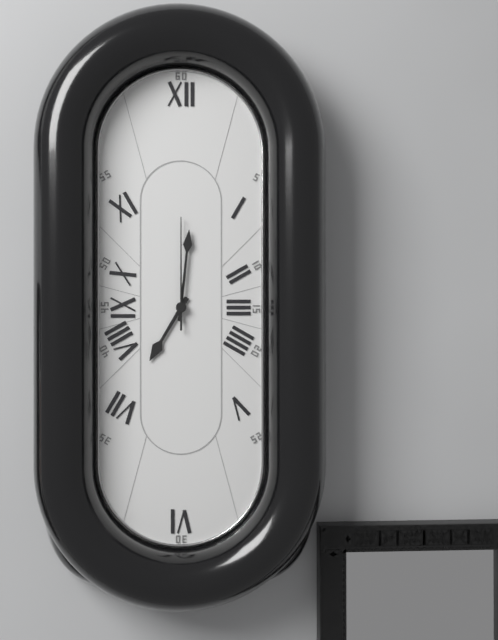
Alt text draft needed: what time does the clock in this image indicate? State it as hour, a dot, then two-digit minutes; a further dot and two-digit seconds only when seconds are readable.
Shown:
7.01.00
